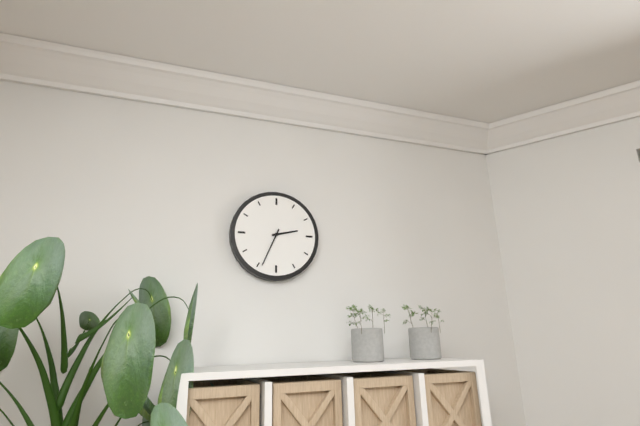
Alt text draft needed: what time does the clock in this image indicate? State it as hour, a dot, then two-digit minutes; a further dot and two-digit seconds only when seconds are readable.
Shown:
2.34
